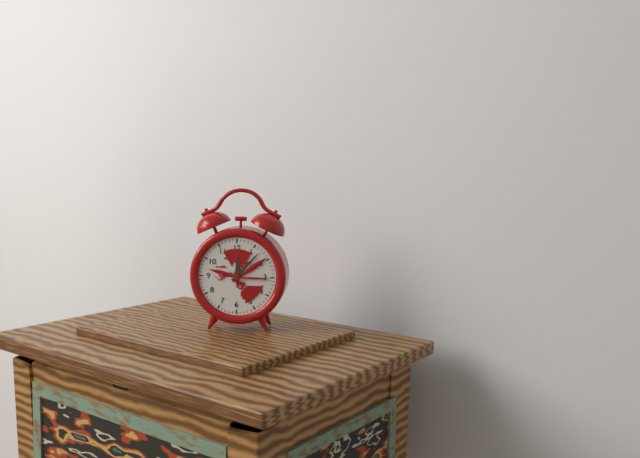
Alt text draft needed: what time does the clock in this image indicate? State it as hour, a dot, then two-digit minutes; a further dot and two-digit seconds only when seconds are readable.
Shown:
12.07
